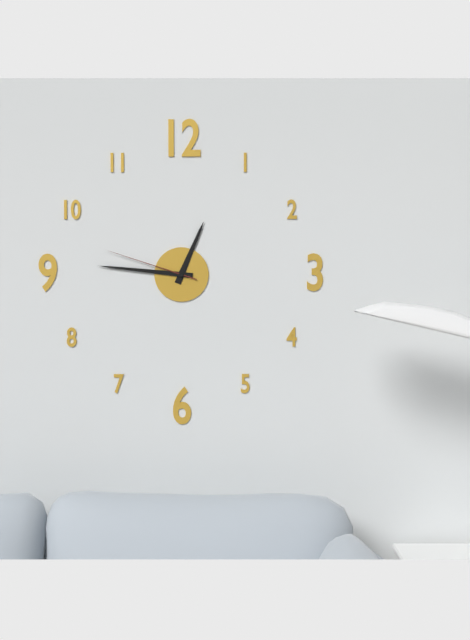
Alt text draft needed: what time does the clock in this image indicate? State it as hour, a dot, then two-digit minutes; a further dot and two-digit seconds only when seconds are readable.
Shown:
12.46.48
